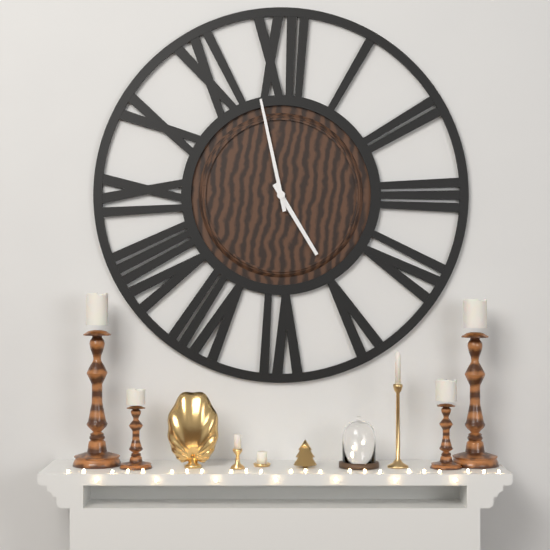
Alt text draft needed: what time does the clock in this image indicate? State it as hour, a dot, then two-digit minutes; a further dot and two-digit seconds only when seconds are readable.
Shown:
4.58
